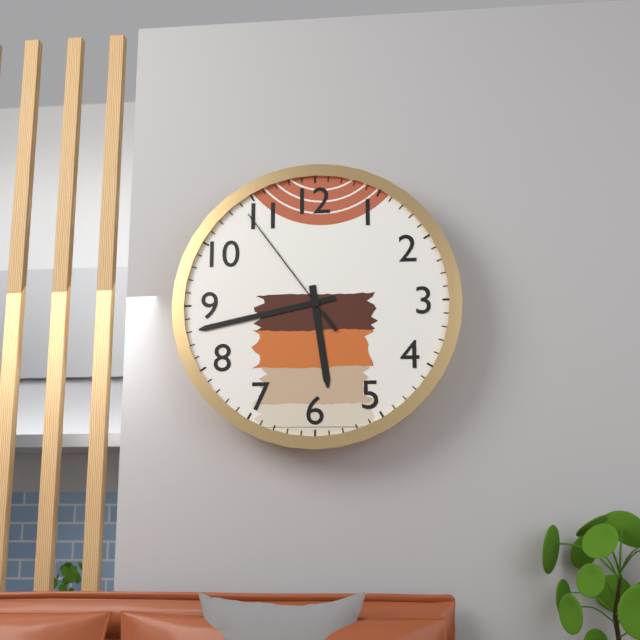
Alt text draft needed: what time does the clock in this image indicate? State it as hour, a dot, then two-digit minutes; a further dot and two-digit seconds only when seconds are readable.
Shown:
5.43.54
